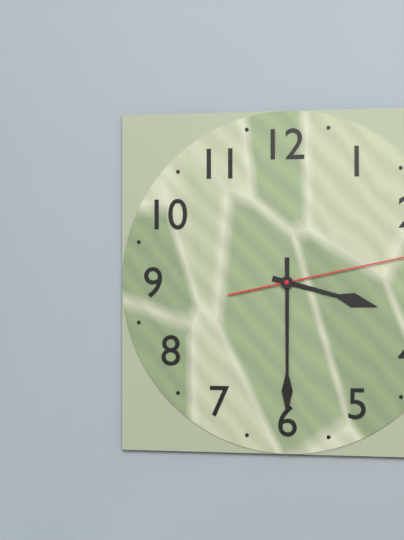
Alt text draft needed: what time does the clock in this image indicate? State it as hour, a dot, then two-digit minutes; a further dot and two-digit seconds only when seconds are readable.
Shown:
3.30
